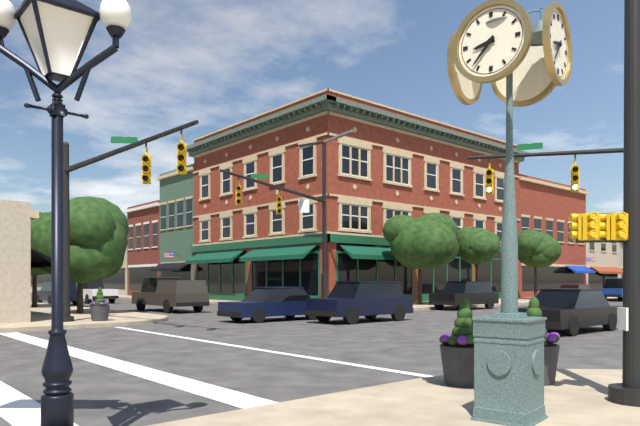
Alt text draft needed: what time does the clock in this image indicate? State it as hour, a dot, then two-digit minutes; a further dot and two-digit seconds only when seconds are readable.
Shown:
8.37
